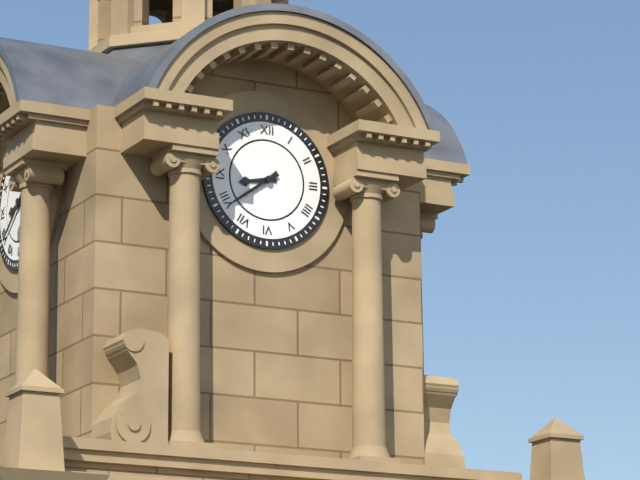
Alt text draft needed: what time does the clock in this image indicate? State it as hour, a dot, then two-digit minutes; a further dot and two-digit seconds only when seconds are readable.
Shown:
8.39
